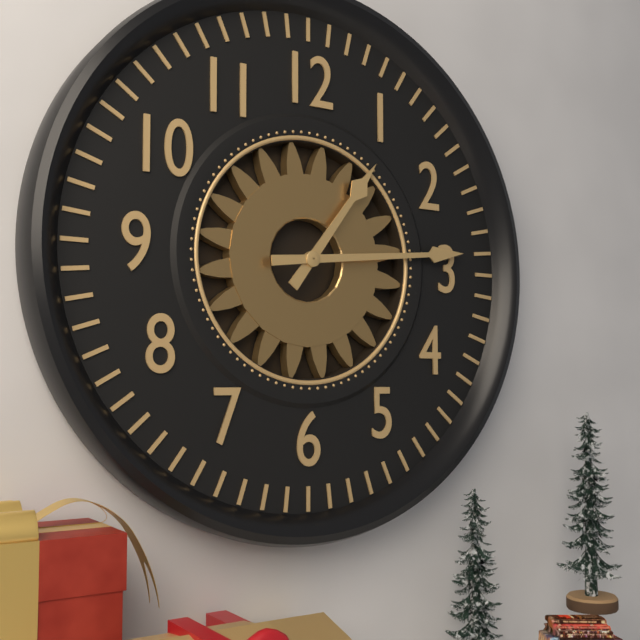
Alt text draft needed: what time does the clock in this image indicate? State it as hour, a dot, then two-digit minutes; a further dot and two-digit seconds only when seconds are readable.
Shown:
1.14
